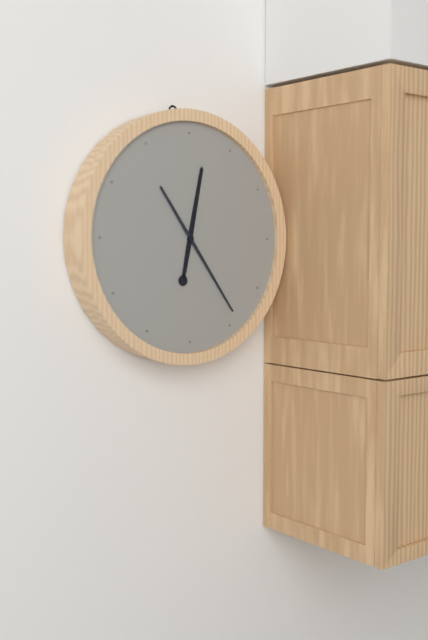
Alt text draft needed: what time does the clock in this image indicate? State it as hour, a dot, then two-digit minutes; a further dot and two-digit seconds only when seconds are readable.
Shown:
12.24
